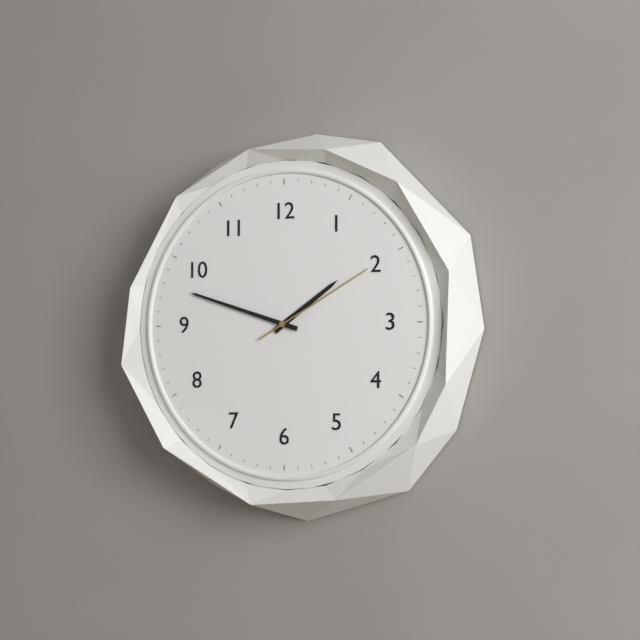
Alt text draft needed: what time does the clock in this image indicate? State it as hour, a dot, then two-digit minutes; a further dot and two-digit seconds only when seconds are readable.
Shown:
1.48.10
